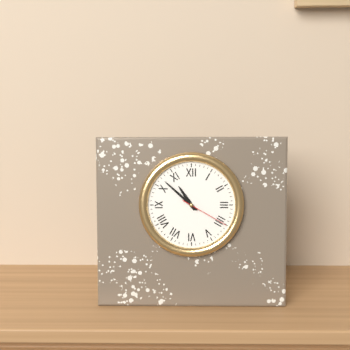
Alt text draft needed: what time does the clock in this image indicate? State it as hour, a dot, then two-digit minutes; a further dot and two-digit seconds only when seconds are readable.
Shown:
10.52.20
